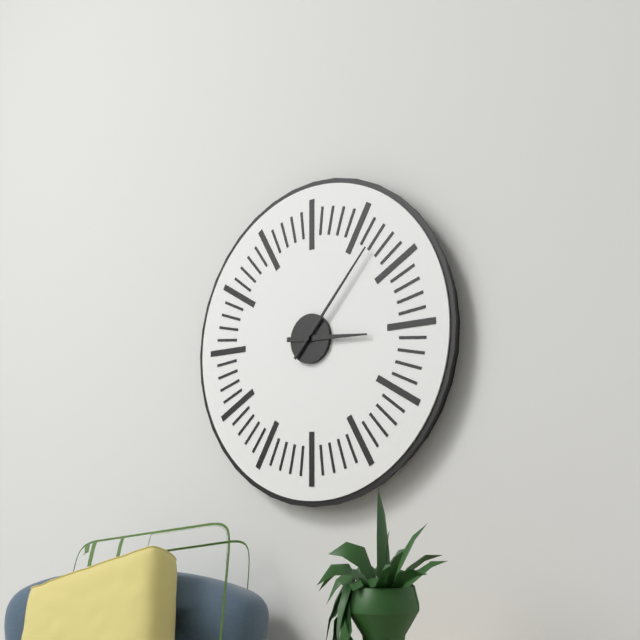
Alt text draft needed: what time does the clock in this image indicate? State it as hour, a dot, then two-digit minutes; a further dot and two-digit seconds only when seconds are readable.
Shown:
3.07
